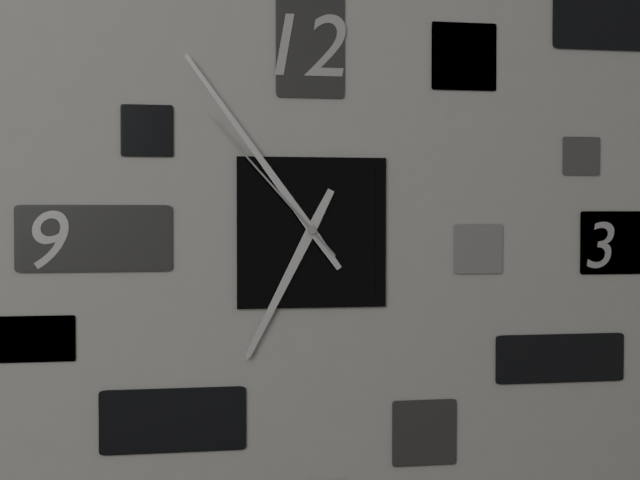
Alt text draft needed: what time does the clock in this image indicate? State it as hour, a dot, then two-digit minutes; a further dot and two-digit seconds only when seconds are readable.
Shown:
6.54.53
